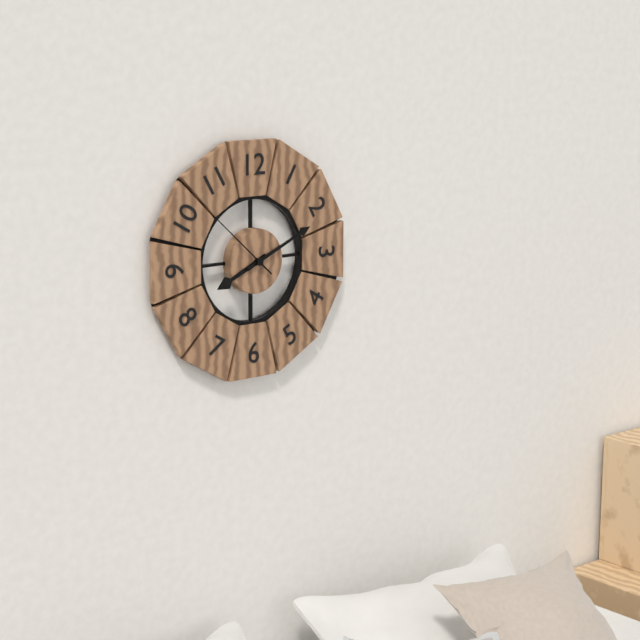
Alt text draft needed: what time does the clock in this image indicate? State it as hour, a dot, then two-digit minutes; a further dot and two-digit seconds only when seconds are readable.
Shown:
8.11.52
